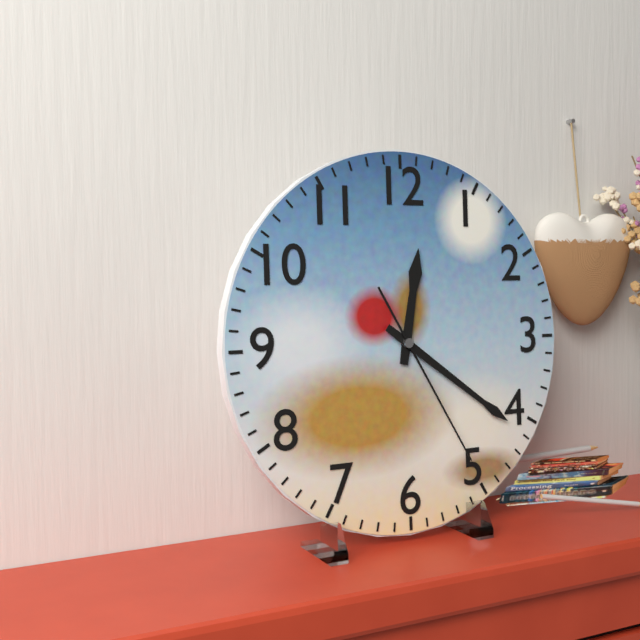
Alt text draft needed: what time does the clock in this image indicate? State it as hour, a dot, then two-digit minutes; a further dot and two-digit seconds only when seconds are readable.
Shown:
12.21.25
